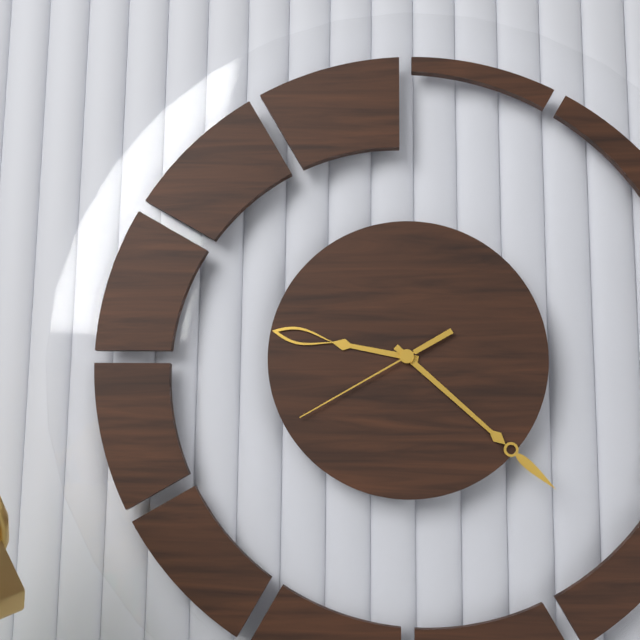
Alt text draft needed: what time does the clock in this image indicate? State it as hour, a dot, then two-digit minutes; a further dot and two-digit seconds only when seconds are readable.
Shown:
9.22.40
